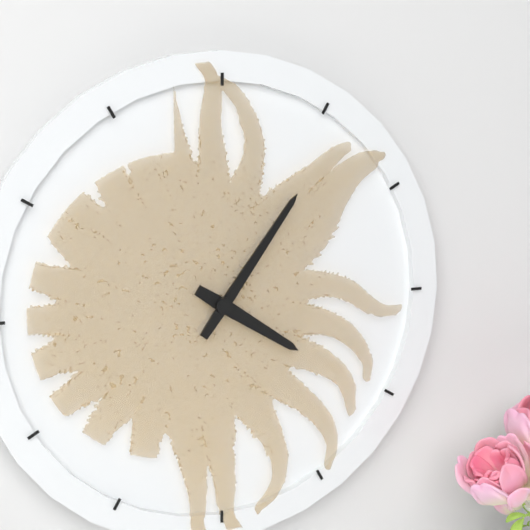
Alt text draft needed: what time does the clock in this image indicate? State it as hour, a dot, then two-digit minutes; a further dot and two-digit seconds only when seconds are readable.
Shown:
4.06
